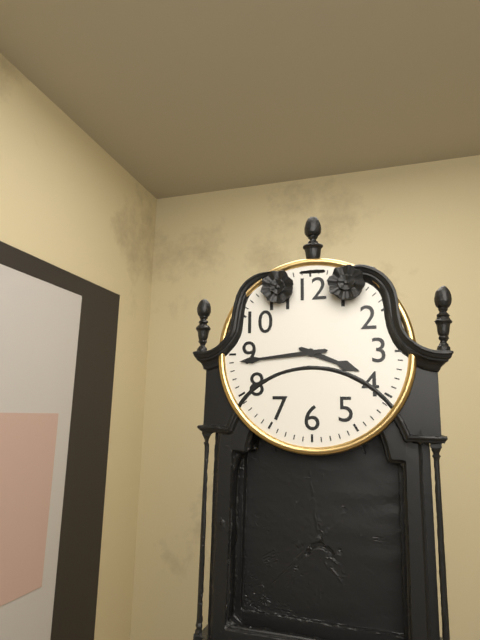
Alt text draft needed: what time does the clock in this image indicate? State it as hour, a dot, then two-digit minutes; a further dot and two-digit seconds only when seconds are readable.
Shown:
3.44
